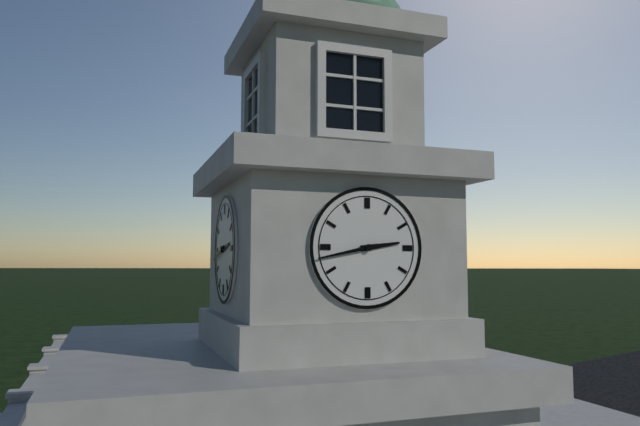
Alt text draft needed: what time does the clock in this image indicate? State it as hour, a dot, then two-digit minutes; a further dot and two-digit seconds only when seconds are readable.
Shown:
2.43
